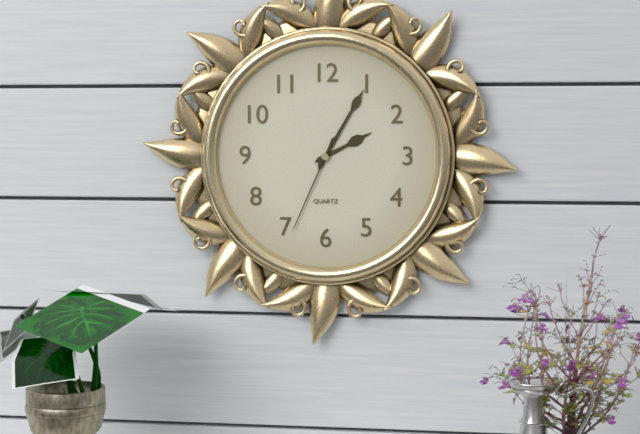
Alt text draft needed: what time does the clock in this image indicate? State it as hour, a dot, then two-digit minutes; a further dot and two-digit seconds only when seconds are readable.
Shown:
2.05.34
